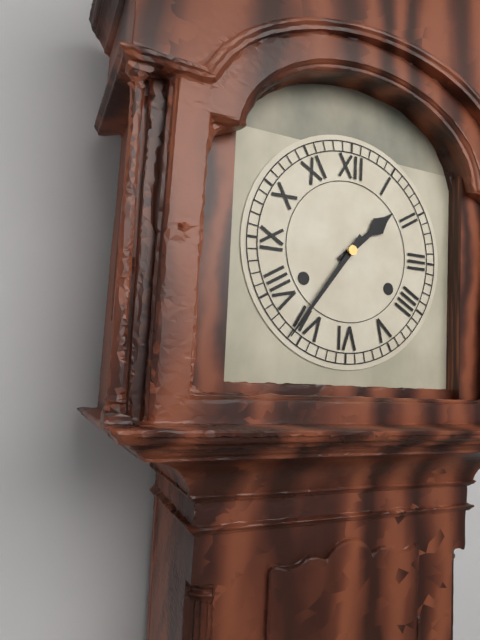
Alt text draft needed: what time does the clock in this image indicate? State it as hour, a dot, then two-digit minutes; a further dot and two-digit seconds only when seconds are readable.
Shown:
1.36
